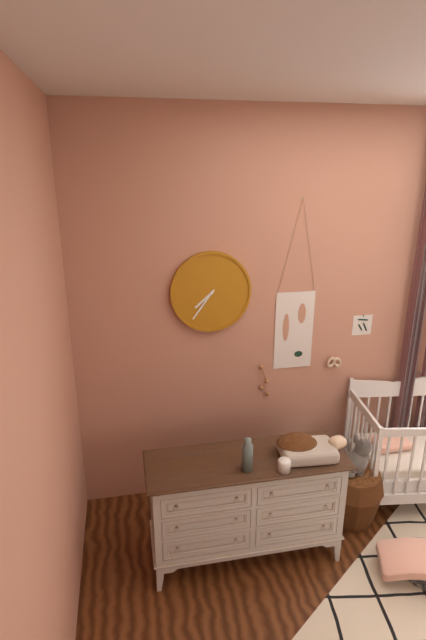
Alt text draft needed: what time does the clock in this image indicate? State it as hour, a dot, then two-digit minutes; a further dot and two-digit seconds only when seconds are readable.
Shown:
7.36
